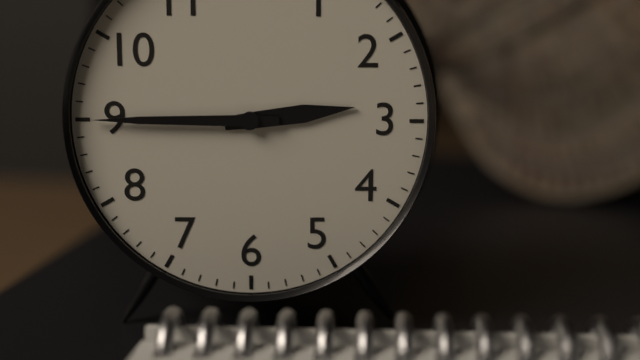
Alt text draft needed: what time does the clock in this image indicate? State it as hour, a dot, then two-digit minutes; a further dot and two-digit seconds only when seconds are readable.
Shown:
2.45
